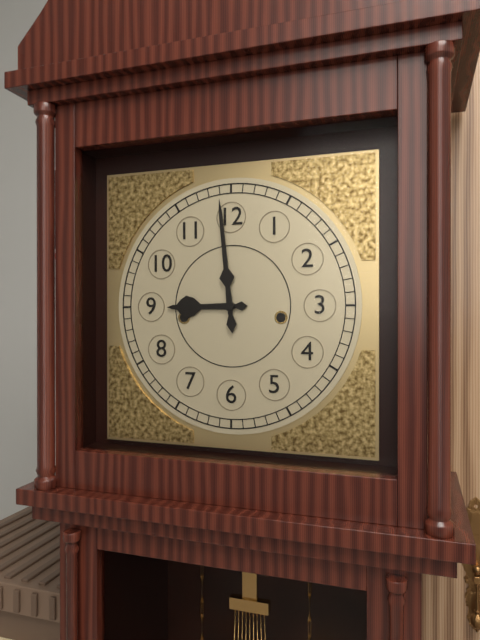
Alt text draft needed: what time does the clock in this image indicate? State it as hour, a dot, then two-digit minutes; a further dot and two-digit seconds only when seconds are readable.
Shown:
8.59
